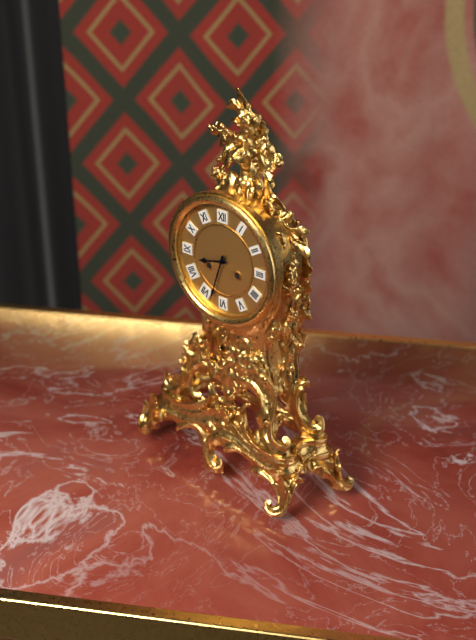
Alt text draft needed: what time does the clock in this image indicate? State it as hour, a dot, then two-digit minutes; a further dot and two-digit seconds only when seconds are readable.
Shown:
8.33
